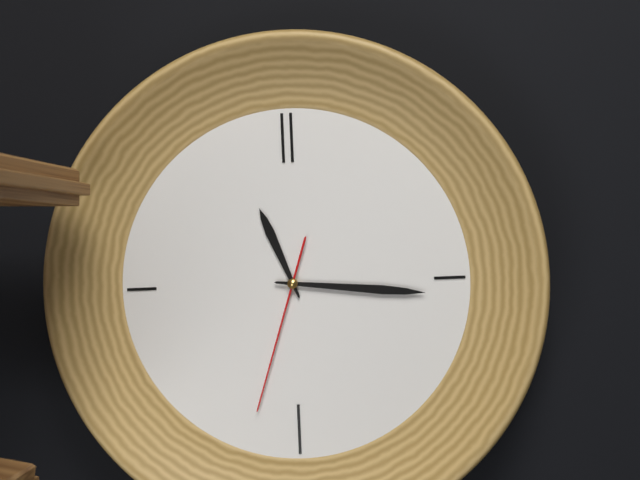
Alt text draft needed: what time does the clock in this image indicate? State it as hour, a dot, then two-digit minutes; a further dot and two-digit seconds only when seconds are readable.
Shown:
11.16.33
